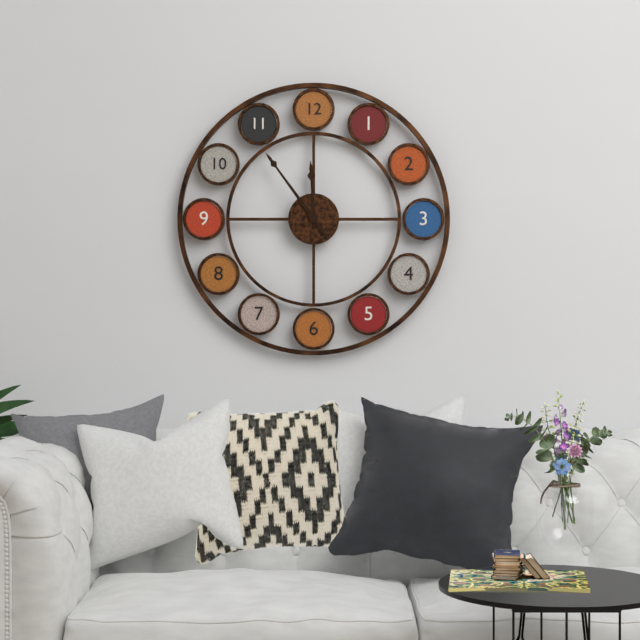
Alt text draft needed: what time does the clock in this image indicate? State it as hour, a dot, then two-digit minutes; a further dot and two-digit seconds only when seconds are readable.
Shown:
11.54
